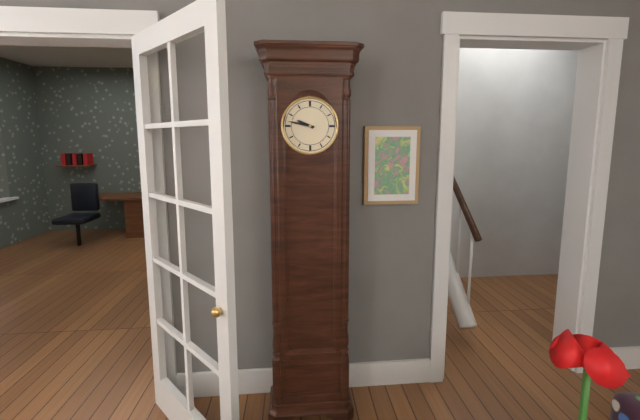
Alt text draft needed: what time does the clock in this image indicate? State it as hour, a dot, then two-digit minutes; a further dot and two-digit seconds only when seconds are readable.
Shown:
9.47
